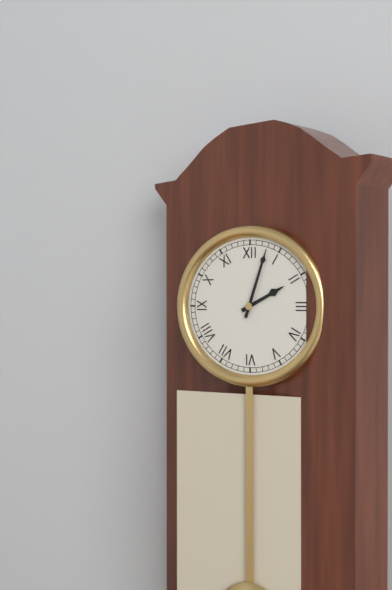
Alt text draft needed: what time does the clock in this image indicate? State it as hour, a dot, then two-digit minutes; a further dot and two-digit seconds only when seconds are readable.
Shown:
2.03
